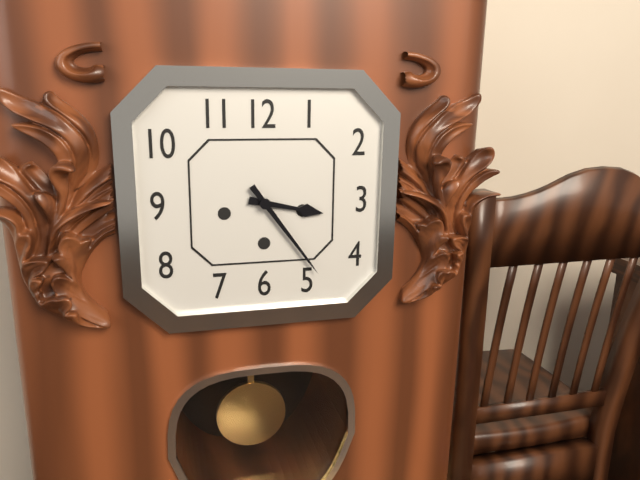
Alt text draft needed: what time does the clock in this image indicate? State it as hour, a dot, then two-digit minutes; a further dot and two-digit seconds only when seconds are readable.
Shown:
3.24
